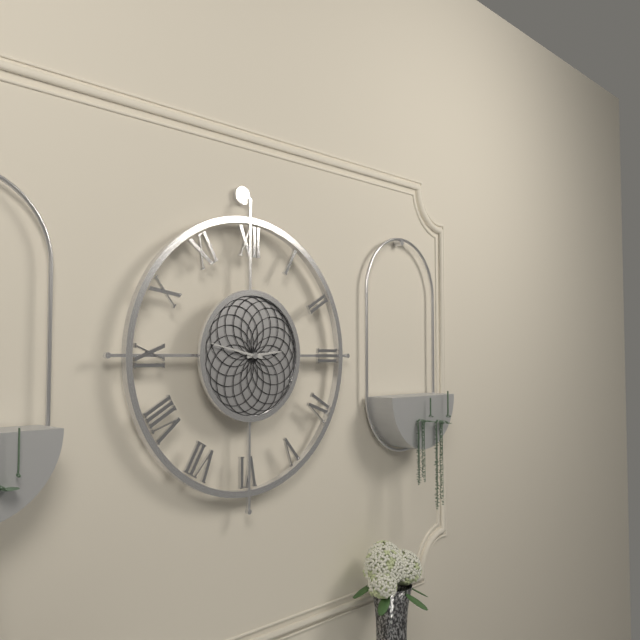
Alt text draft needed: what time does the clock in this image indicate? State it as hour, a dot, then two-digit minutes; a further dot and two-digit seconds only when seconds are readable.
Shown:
2.47
